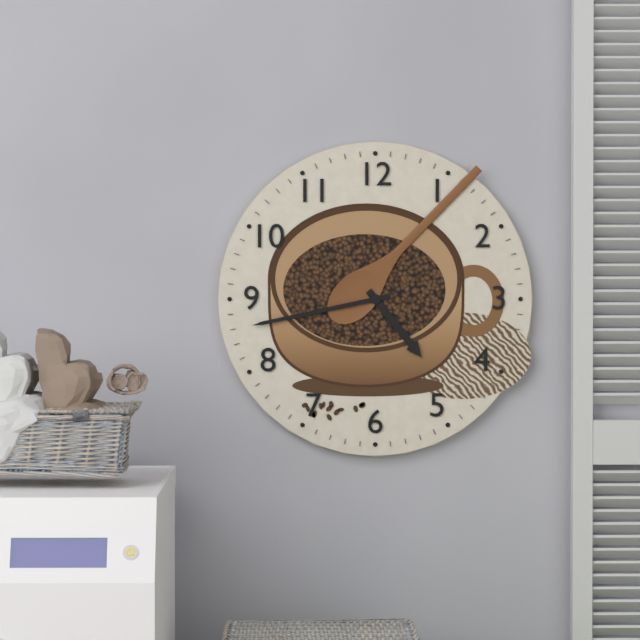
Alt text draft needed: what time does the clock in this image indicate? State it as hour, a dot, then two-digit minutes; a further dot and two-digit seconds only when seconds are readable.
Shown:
4.43
